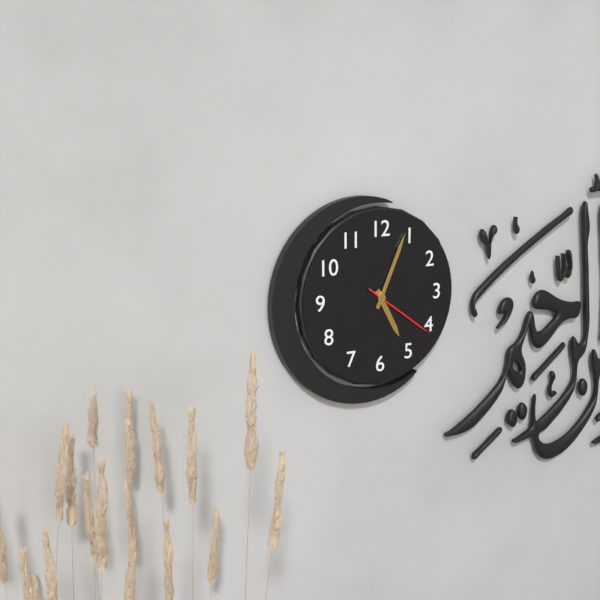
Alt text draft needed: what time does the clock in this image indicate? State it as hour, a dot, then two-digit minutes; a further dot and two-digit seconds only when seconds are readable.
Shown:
5.04.21
